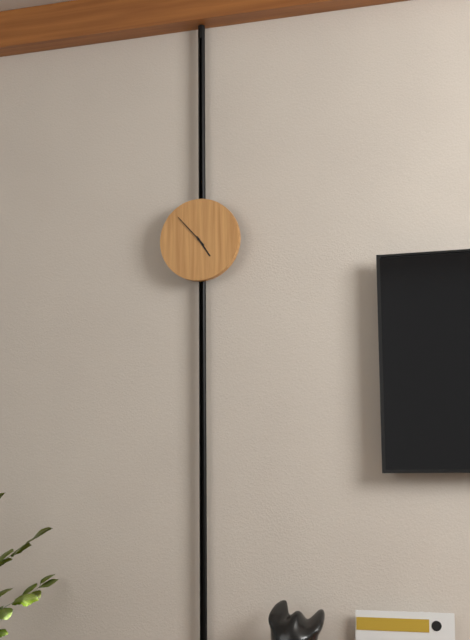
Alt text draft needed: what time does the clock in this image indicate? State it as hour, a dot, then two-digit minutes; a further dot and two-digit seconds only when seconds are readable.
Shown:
4.53
